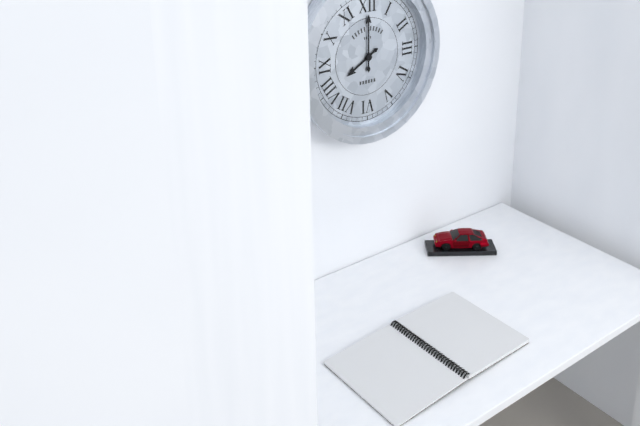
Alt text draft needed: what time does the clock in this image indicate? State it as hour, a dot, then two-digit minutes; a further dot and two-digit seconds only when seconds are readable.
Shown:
8.00
